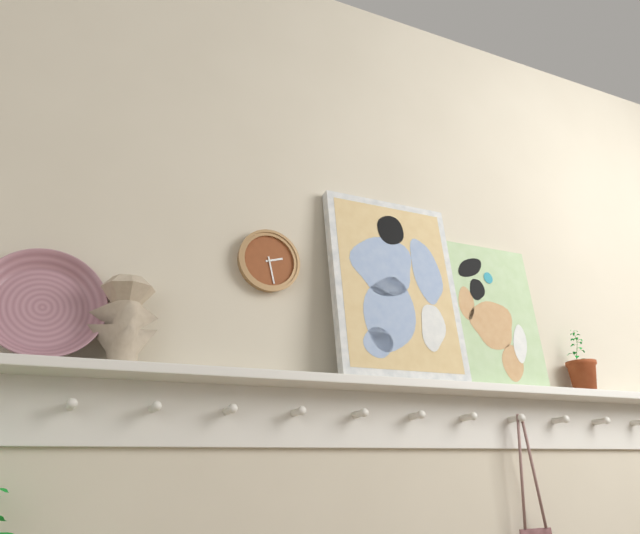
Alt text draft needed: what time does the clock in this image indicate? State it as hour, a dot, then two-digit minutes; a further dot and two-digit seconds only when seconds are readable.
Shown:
2.28
